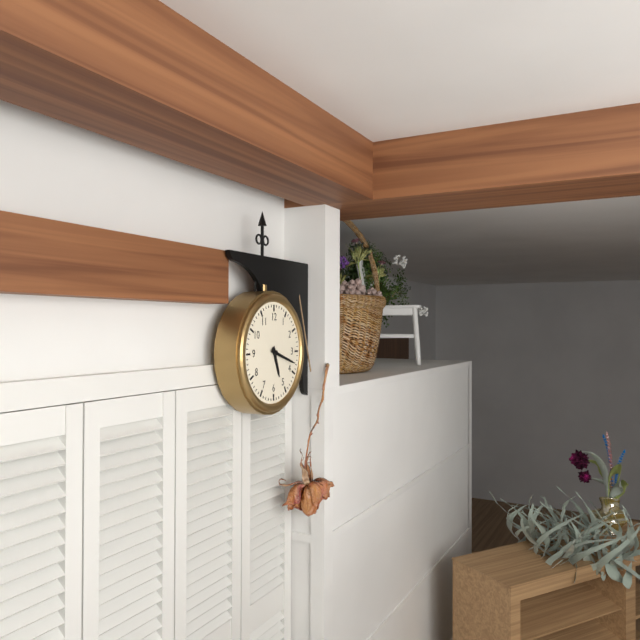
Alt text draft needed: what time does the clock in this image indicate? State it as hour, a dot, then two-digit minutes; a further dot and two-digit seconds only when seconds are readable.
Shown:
5.18
